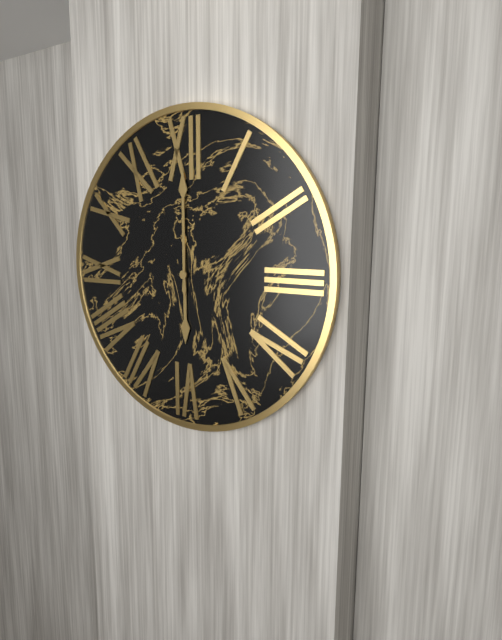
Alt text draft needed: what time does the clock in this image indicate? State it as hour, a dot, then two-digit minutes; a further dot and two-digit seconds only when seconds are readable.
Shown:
6.00
